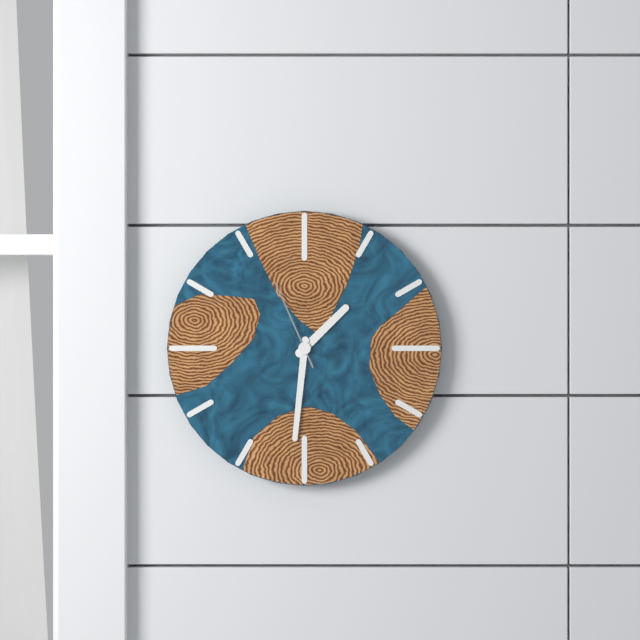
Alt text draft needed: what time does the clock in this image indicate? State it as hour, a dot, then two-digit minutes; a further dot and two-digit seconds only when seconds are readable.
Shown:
1.31.56
